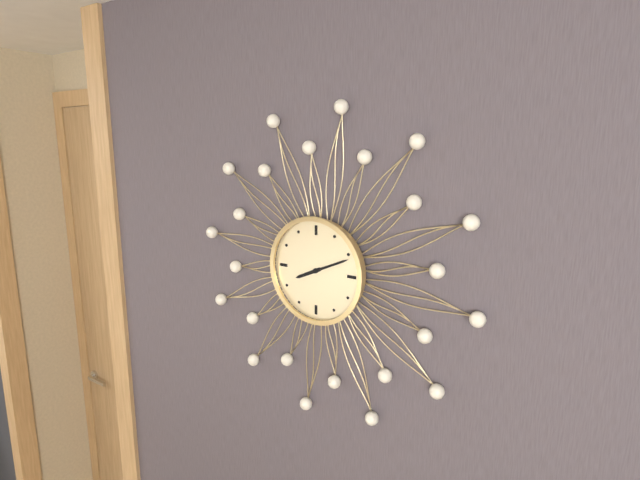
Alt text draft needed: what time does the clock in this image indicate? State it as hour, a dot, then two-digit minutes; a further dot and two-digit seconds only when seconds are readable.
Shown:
8.11
